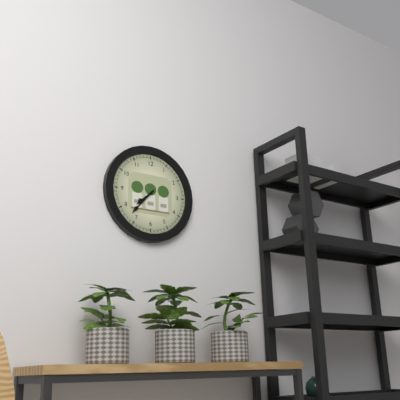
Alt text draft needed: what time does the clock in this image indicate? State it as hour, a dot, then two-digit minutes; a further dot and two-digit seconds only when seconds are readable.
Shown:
7.37
